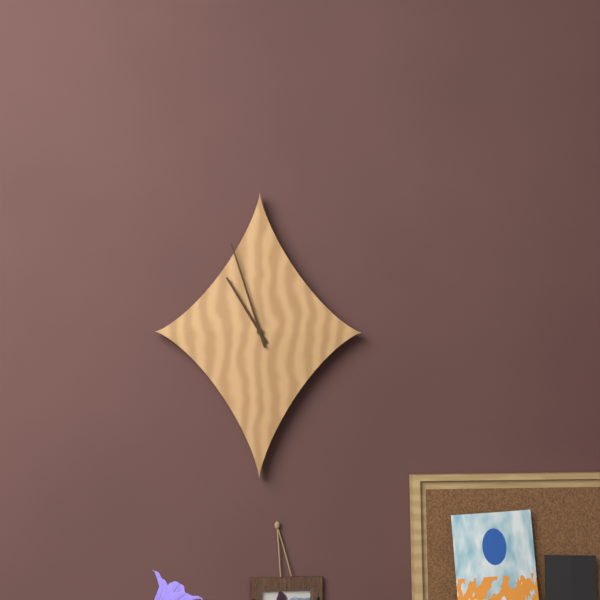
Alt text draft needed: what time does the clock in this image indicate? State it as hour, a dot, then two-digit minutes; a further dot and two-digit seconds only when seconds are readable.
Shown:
10.57
